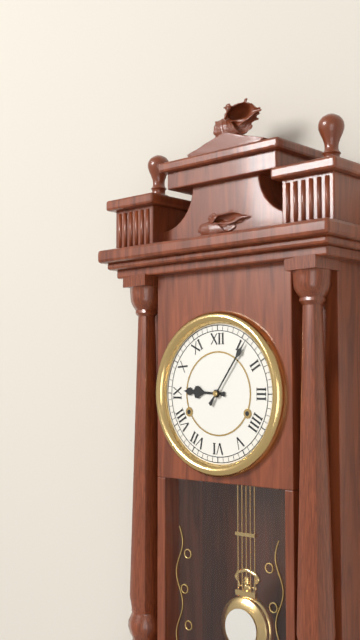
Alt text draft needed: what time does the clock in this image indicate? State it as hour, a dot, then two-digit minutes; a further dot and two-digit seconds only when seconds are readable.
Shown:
9.06
